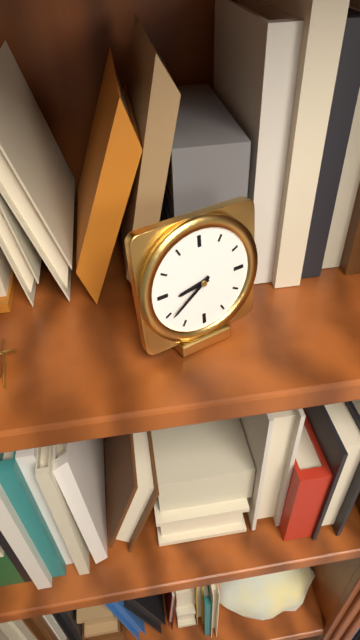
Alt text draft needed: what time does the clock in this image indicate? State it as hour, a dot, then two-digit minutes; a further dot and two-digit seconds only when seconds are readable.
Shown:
8.39
